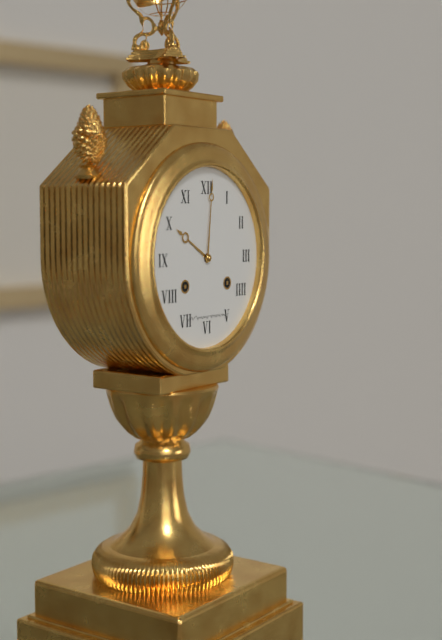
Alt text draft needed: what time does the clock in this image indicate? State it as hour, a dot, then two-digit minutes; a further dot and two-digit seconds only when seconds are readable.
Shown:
10.01
